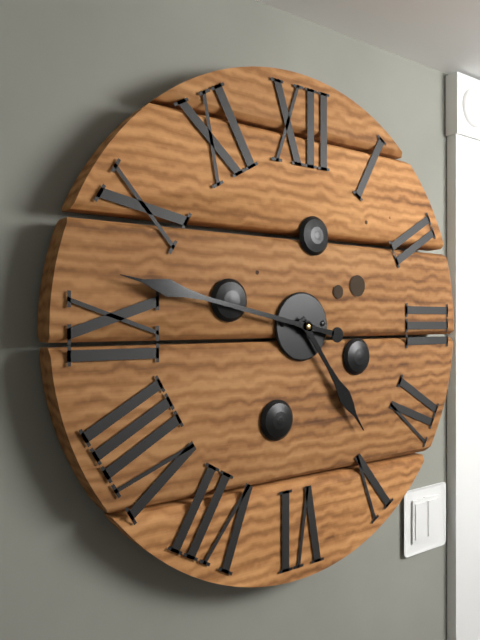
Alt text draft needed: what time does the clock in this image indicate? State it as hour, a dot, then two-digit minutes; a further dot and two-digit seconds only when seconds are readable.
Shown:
4.47
